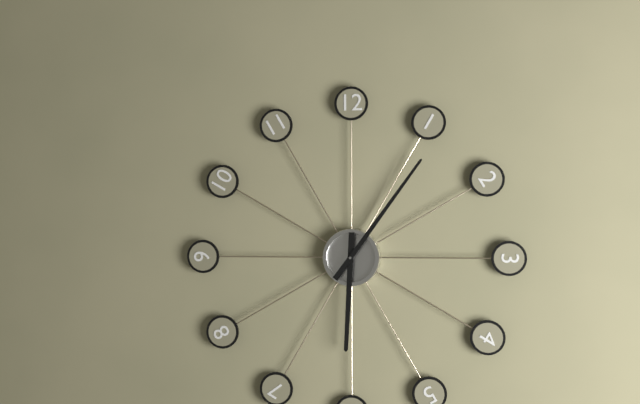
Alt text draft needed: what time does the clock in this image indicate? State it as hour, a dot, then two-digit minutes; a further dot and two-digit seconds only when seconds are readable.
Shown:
6.06
